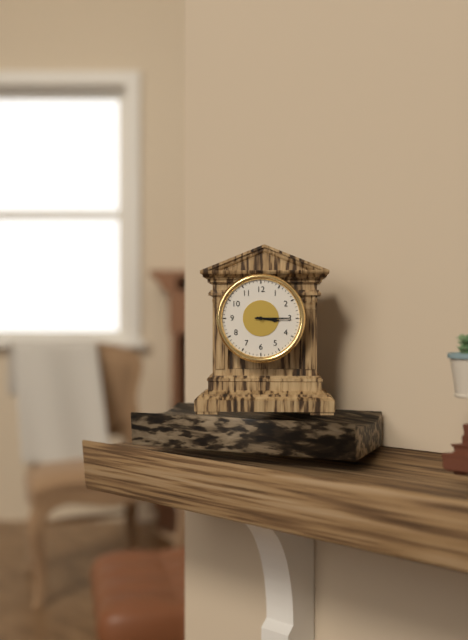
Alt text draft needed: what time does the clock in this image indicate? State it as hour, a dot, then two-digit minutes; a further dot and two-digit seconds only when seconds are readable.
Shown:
3.15
